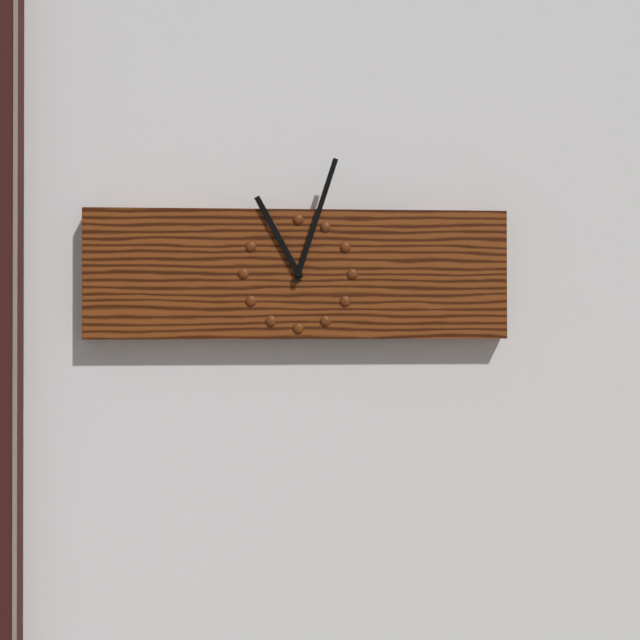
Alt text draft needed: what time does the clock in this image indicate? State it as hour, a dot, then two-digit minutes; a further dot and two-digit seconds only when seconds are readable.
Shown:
11.03
